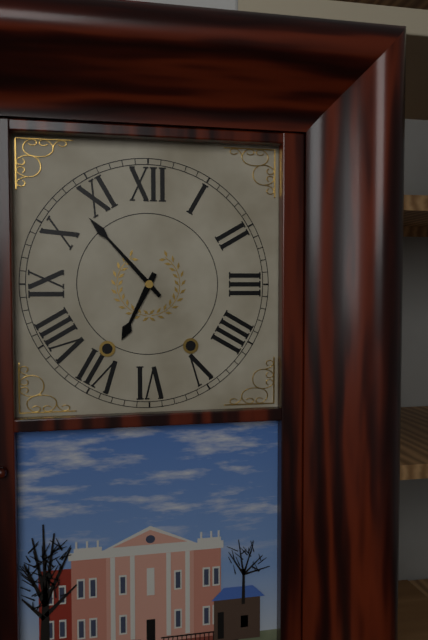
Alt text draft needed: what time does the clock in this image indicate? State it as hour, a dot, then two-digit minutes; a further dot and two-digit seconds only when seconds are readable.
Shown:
6.53
